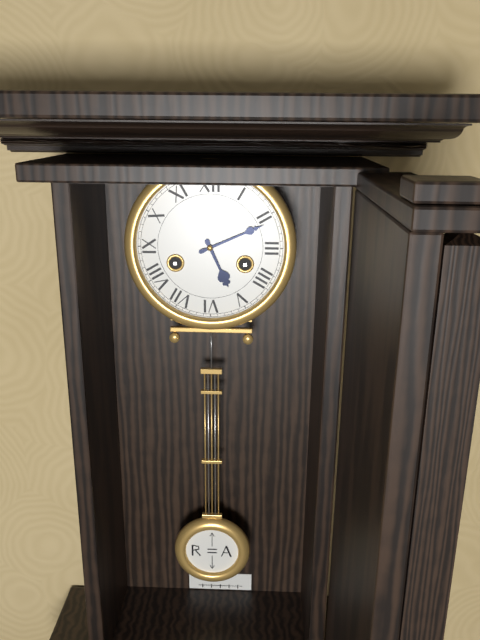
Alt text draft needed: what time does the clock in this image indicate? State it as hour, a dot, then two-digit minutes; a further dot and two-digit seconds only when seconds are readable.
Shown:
5.11
